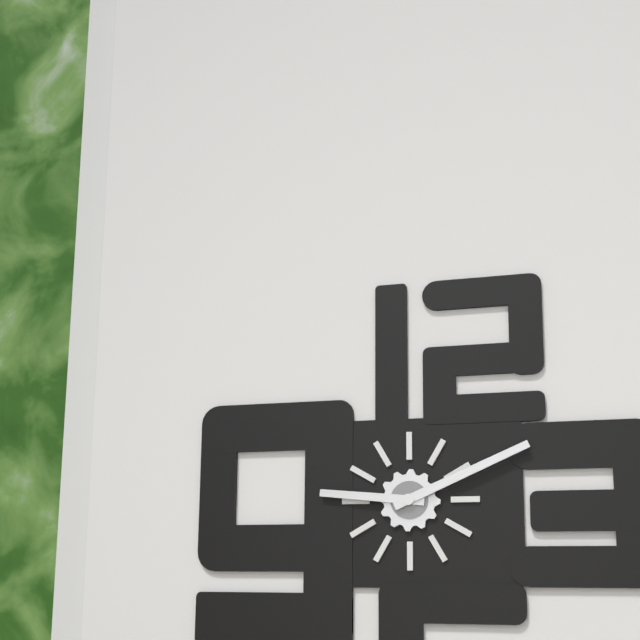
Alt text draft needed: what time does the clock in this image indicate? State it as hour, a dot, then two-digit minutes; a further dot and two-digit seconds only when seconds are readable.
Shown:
9.11
